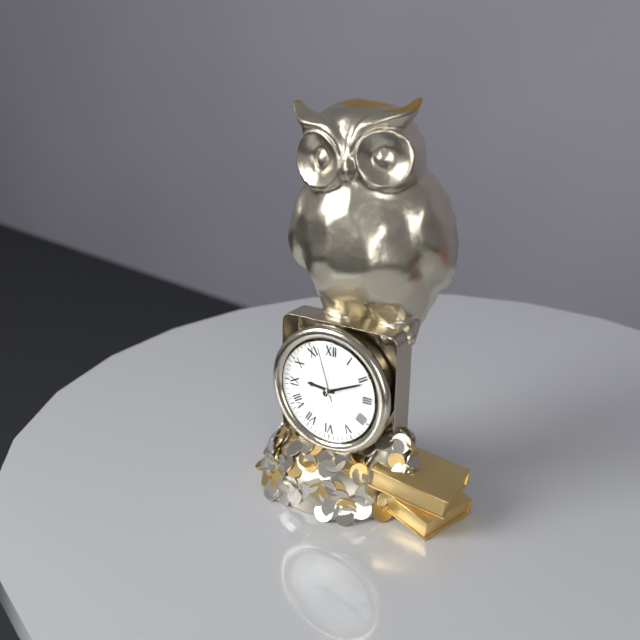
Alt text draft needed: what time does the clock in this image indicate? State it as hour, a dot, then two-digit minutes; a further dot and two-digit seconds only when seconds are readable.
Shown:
9.11.57
